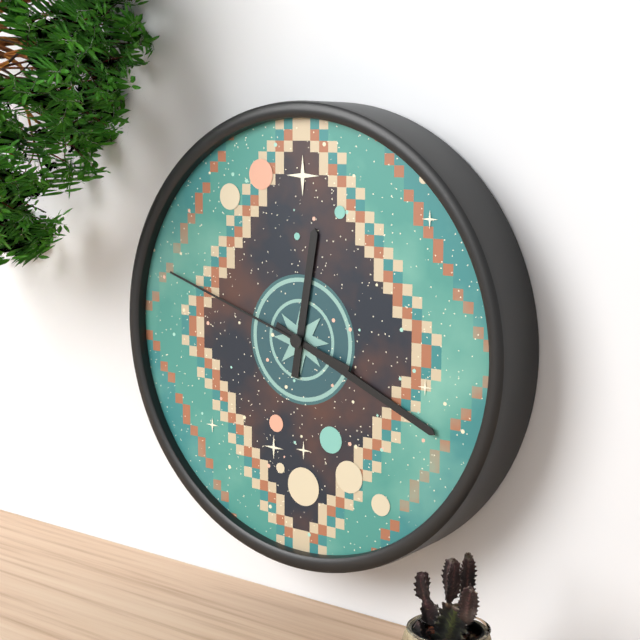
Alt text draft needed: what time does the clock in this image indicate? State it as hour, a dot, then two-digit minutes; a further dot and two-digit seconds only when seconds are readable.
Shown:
12.19.48
